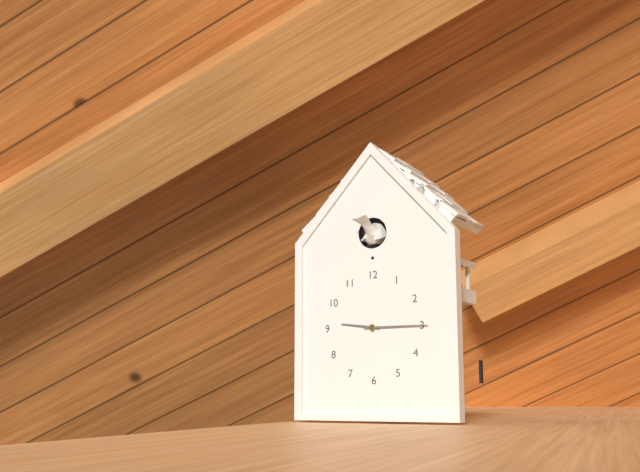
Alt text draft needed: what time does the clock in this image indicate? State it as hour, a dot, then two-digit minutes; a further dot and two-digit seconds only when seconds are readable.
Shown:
9.15
